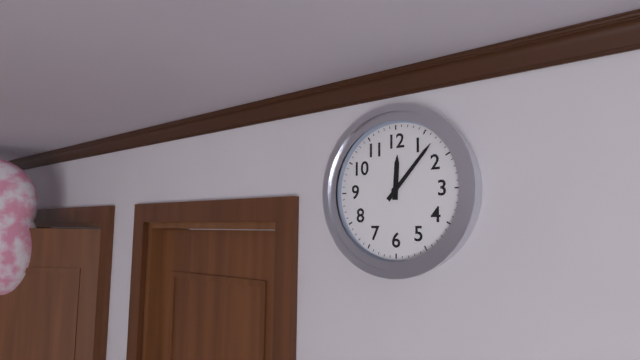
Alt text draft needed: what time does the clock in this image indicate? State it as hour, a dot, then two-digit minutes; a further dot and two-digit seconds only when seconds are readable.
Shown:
12.07
